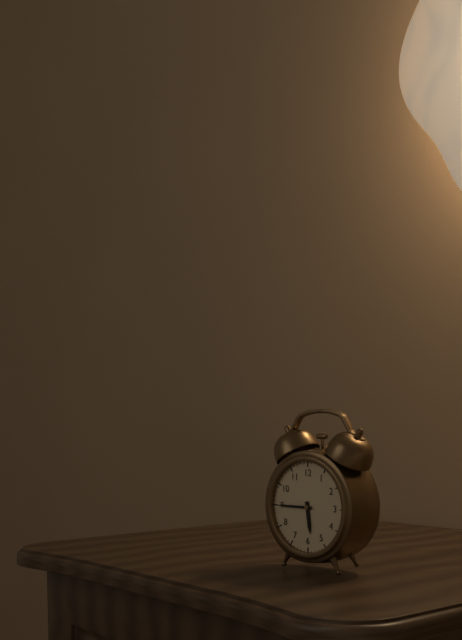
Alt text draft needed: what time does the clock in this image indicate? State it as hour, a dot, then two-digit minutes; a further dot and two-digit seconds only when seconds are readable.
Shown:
5.45
